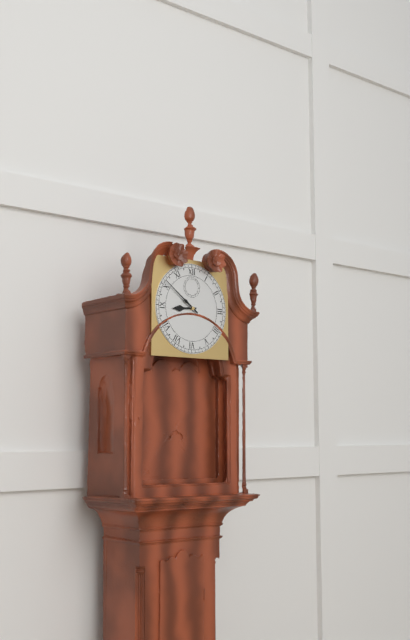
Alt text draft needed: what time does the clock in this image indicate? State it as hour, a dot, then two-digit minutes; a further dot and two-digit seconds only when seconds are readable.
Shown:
8.51
